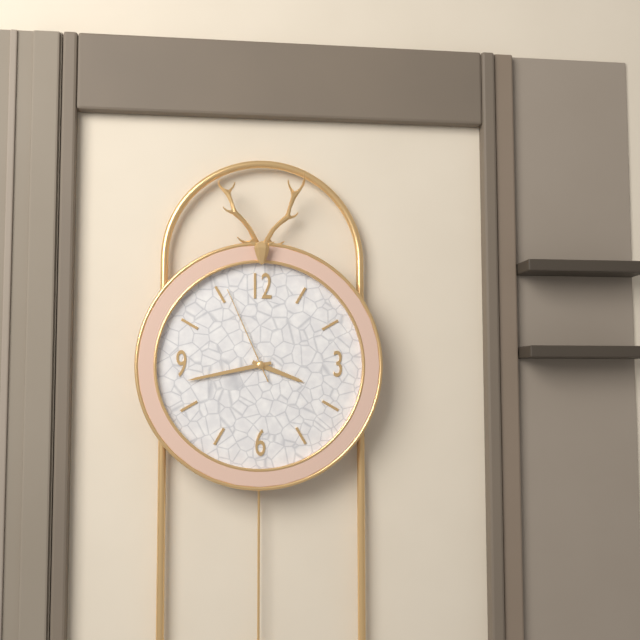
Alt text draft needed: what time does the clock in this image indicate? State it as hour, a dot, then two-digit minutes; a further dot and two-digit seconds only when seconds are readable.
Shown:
3.43.56
